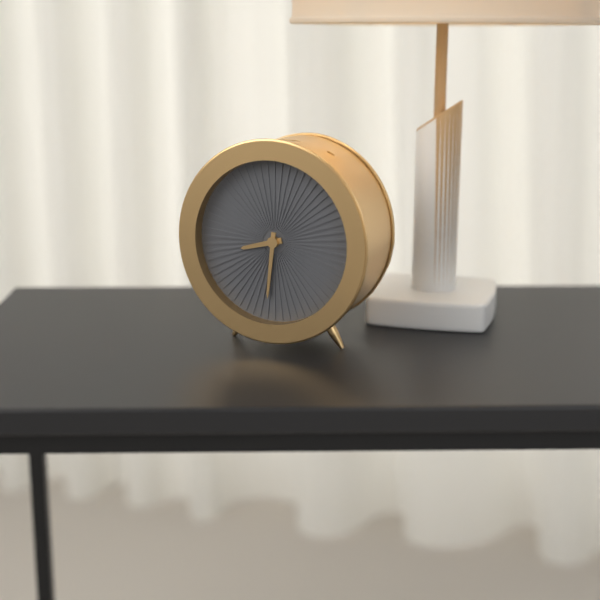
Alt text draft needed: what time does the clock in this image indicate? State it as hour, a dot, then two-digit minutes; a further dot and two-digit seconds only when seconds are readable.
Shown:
8.31
